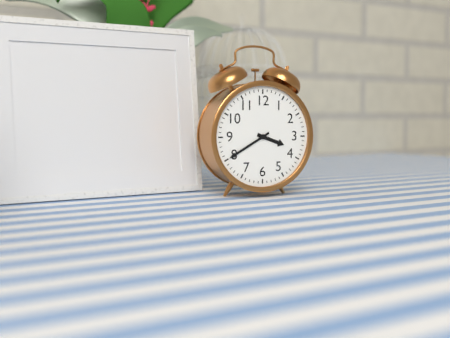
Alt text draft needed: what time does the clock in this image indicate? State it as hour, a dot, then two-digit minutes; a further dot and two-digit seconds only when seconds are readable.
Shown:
3.40
